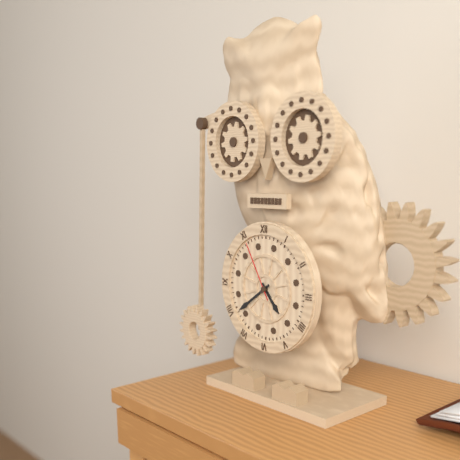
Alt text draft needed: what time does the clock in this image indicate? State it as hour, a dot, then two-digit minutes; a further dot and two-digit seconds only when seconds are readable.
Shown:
4.39.55
